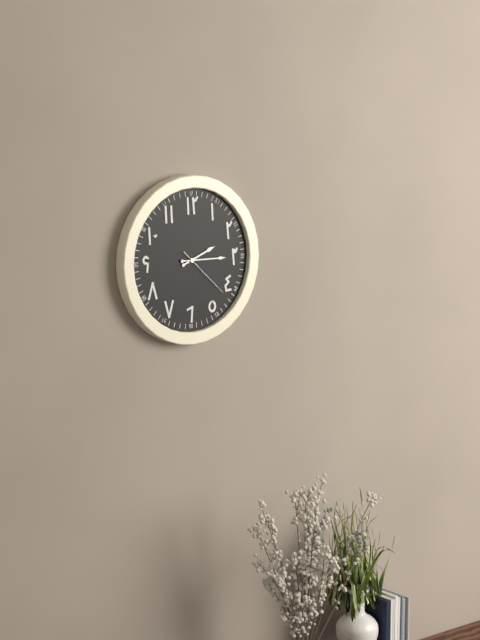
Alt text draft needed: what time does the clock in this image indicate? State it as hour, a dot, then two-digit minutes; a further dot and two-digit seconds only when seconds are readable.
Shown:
2.15.22
